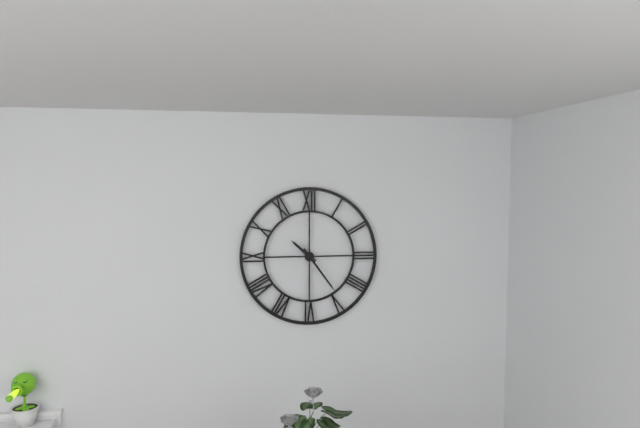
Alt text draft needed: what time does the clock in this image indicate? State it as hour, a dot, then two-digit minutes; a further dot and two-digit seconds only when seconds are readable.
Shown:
10.24
